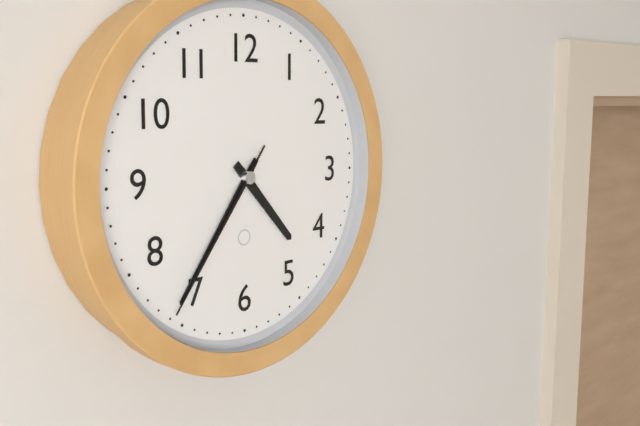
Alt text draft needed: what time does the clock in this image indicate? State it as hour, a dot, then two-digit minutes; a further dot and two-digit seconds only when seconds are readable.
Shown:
4.36.36
